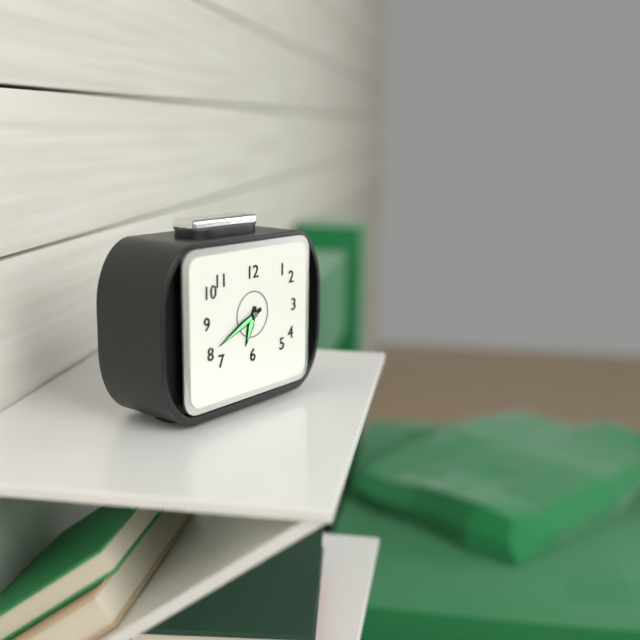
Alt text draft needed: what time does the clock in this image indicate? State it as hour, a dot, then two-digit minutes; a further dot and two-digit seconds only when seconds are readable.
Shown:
6.41
